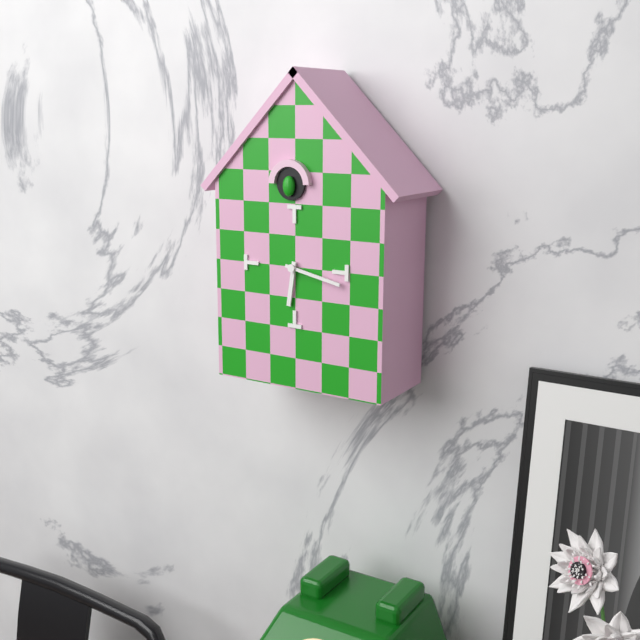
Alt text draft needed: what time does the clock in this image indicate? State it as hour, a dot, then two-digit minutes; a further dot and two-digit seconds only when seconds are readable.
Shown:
6.17
